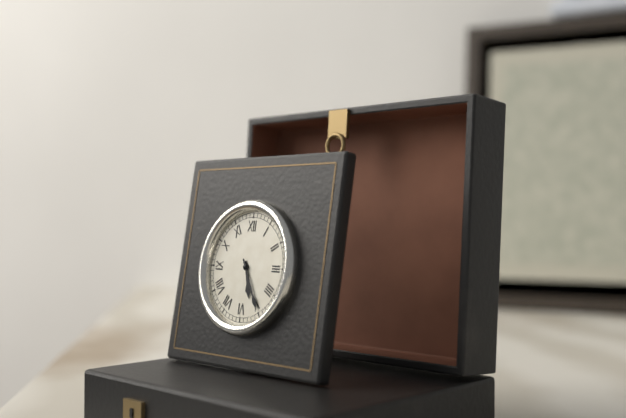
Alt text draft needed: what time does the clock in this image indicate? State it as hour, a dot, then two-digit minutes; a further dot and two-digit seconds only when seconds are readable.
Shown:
5.25
